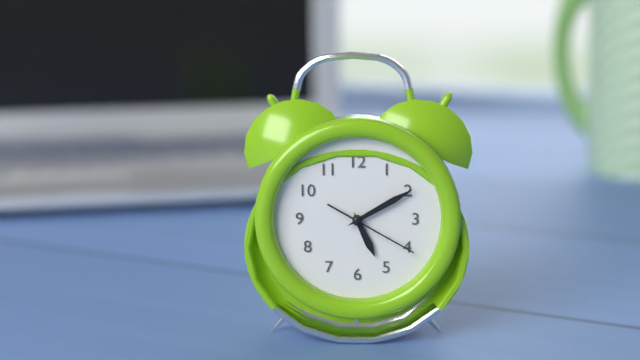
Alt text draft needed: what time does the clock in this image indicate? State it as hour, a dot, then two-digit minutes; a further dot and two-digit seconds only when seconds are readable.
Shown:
5.10.20
